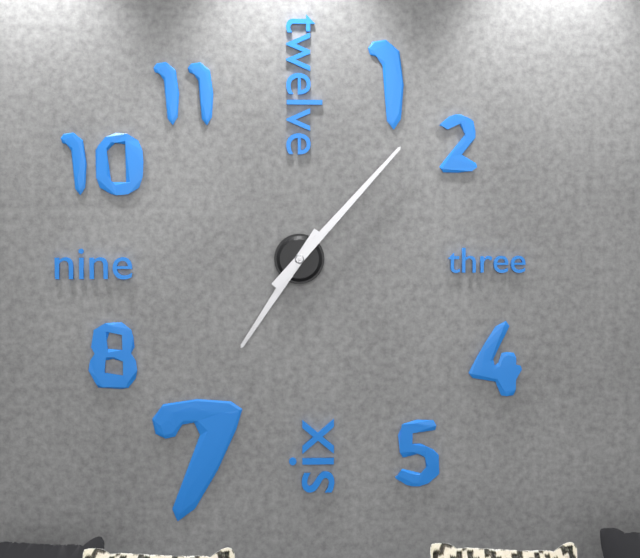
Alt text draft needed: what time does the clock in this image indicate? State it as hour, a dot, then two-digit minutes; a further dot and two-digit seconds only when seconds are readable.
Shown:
7.07
